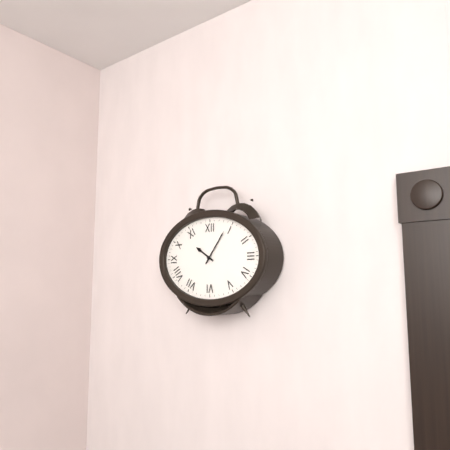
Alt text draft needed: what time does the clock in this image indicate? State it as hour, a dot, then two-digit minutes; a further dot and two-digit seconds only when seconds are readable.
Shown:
10.06
